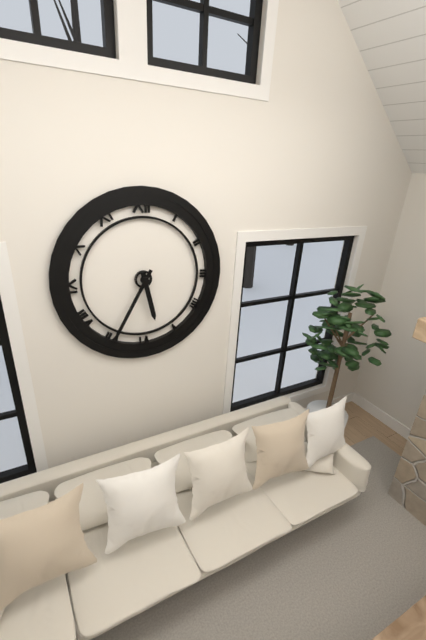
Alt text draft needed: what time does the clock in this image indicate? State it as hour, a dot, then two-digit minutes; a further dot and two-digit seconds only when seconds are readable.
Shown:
5.35
